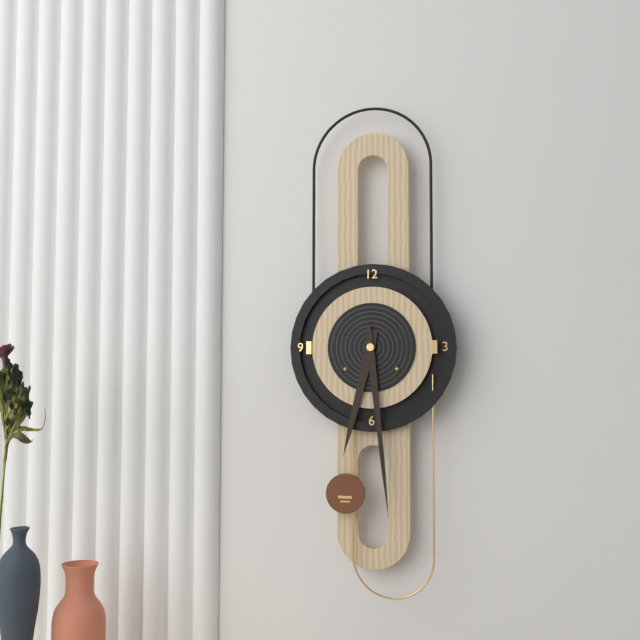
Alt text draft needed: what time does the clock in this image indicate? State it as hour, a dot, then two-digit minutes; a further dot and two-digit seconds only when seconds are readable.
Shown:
6.29
